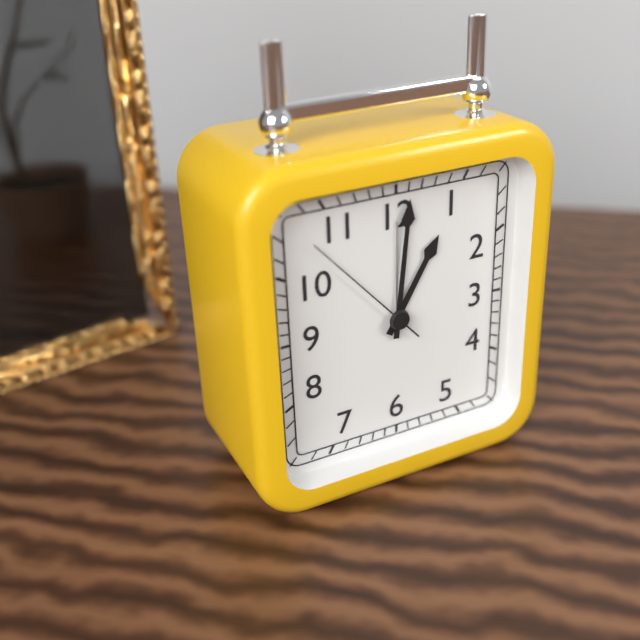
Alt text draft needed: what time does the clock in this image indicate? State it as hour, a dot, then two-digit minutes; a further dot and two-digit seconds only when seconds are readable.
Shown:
1.01.53
